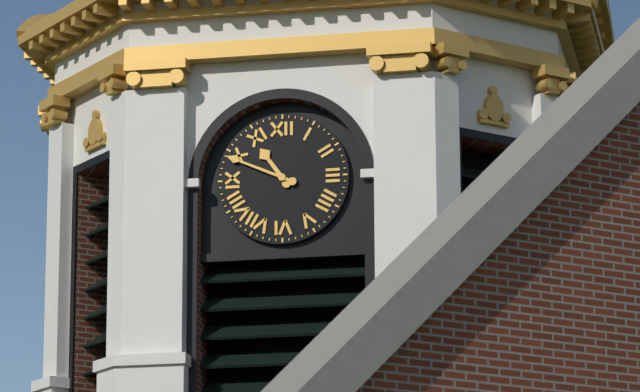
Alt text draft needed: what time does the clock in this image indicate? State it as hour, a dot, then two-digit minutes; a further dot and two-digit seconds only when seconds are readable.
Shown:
10.49
